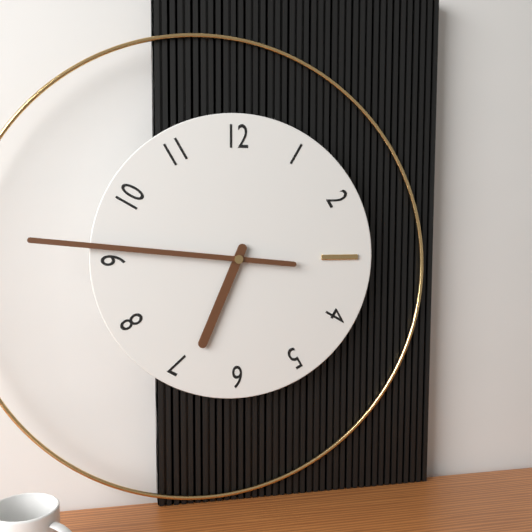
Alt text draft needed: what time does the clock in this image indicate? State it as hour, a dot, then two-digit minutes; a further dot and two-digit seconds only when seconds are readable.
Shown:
6.46
